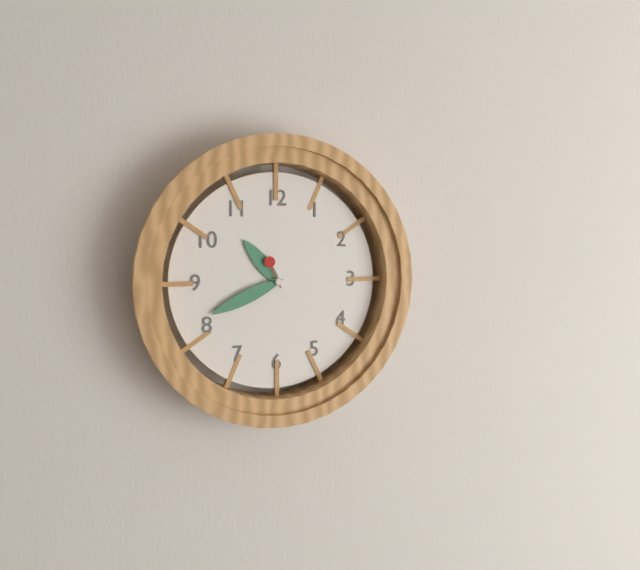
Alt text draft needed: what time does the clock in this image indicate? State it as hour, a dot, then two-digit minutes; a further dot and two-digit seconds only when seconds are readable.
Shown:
10.41
